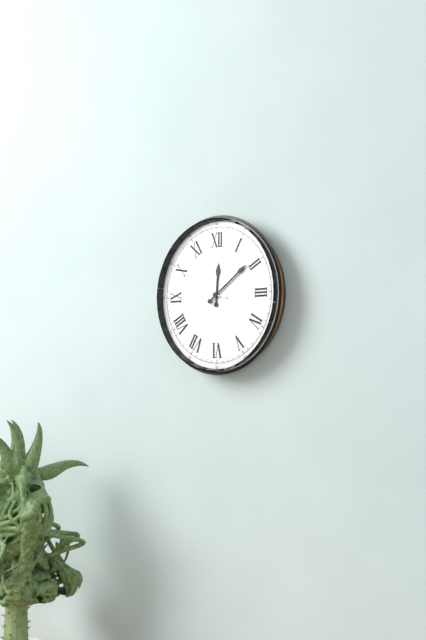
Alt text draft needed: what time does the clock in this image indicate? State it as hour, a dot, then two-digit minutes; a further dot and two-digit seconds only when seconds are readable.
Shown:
12.09.47
